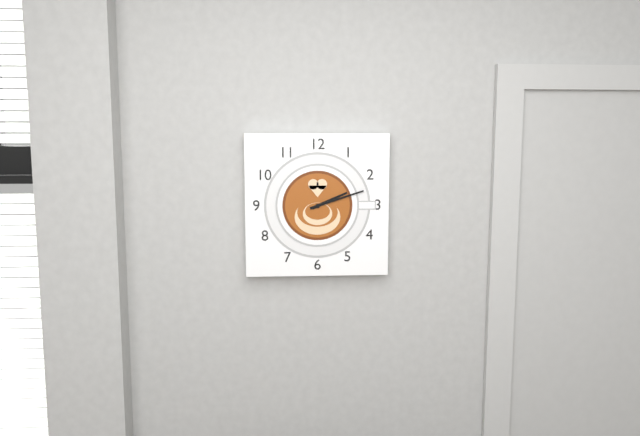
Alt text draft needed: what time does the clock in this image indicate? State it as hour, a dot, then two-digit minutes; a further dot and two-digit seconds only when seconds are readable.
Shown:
2.12
